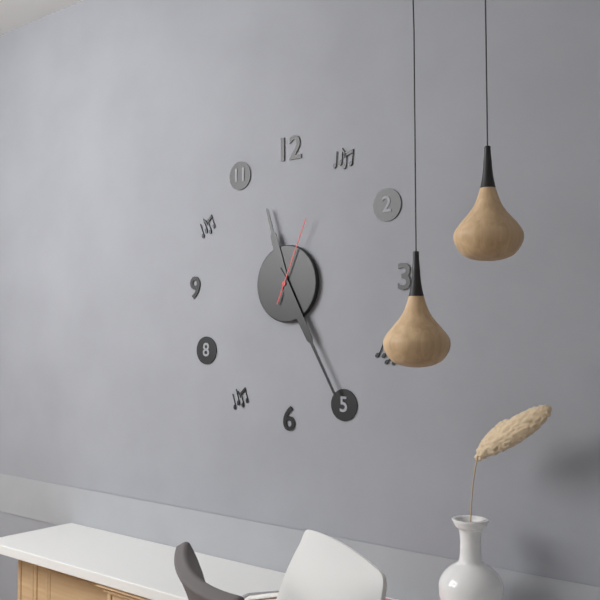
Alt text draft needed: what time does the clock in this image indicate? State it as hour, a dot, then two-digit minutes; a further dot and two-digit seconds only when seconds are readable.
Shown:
11.25.04
